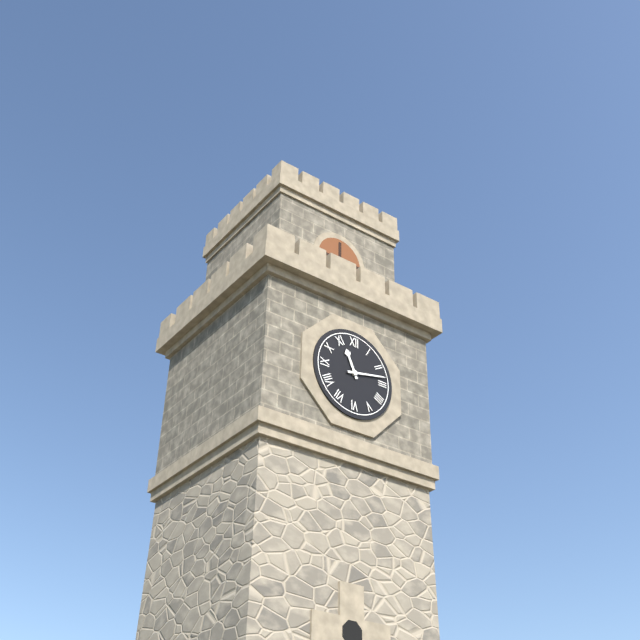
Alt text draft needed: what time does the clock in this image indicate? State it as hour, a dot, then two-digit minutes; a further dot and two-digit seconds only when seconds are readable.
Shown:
11.13
